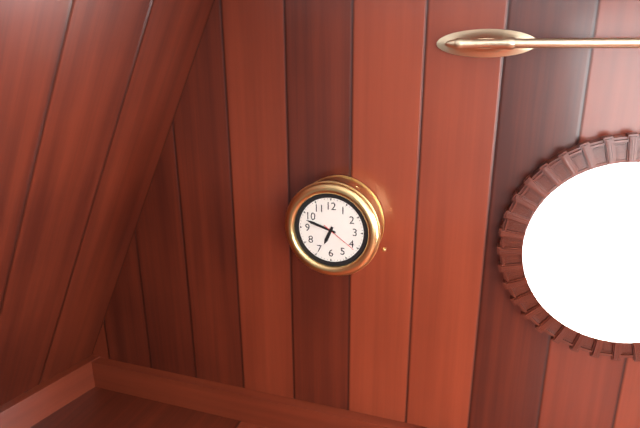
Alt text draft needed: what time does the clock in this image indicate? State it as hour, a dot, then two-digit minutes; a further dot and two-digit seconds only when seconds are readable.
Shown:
6.48
